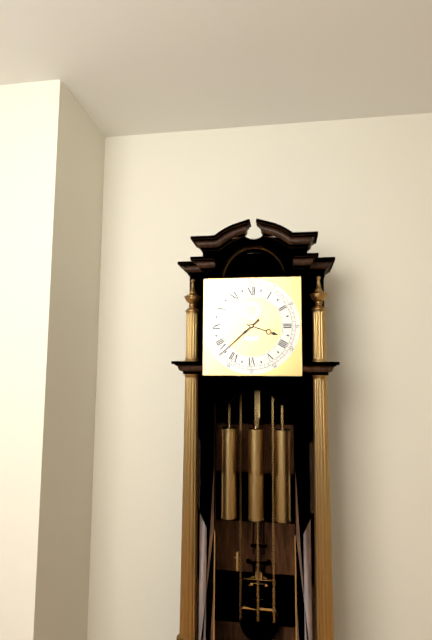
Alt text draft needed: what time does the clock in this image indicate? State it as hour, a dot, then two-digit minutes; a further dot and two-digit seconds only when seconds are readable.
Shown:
3.38
